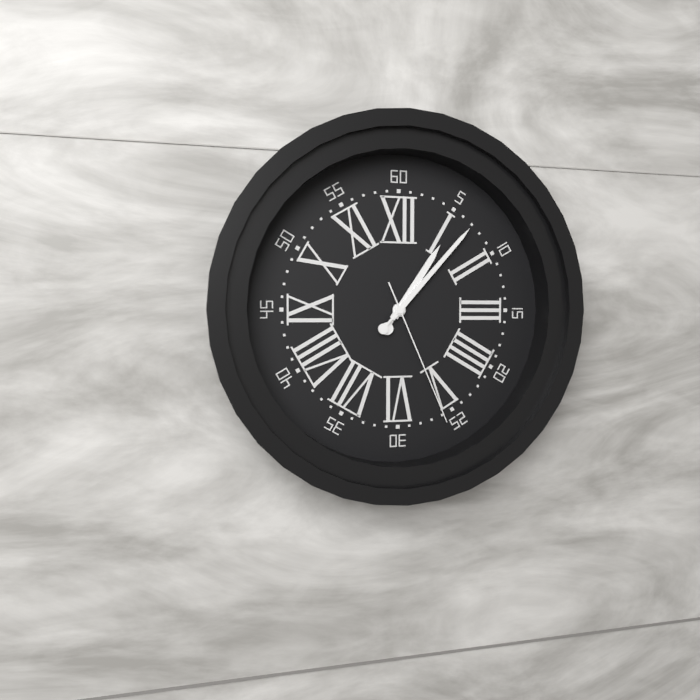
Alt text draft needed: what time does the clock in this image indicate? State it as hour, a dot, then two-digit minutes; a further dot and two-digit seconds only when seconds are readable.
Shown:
1.07.26
